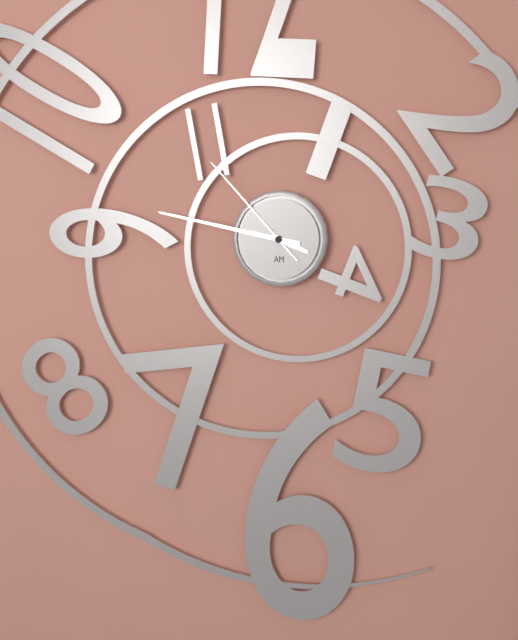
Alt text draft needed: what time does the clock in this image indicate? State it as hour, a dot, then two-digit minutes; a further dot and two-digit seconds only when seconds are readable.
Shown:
3.47.53
